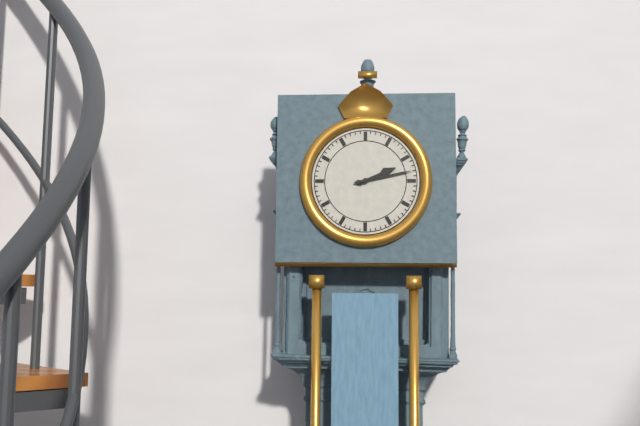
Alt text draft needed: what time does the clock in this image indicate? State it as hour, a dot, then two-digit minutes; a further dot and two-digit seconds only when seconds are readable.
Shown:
2.13
